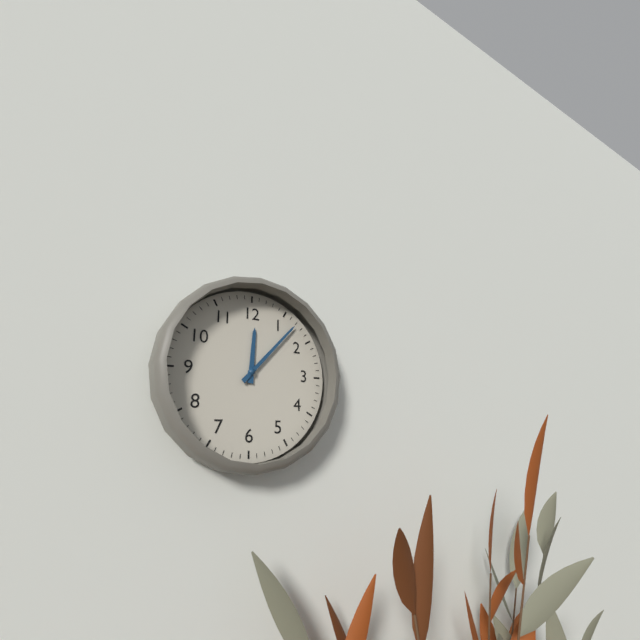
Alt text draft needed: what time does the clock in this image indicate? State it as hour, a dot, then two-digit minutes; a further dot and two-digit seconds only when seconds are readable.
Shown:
12.07
